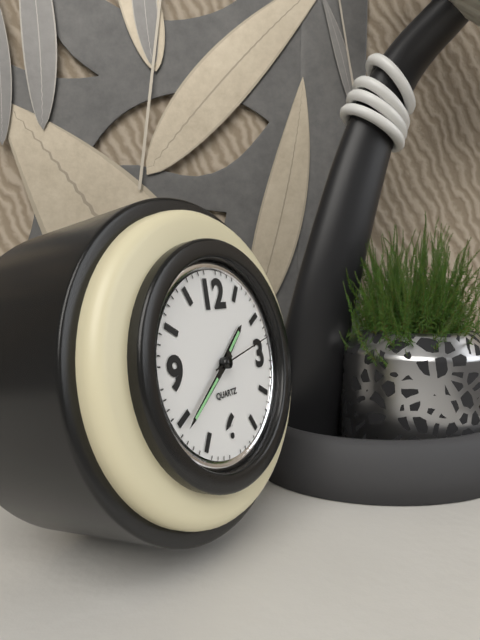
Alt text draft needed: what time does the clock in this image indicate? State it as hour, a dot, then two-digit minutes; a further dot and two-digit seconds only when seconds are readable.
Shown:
1.39.13
